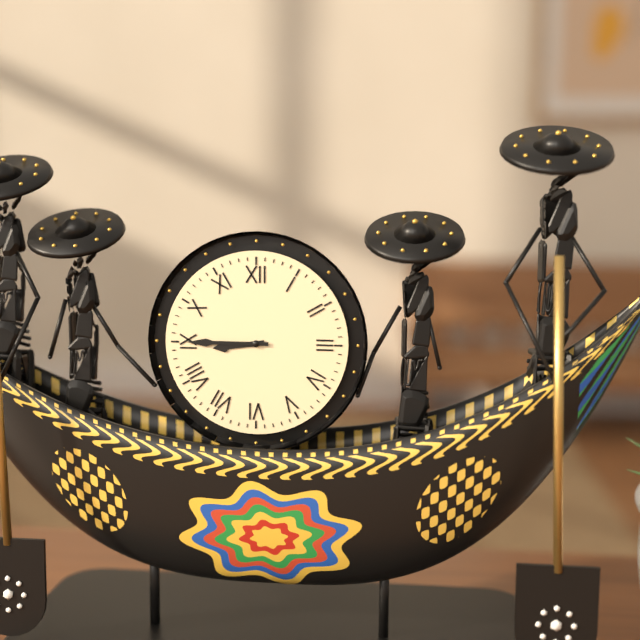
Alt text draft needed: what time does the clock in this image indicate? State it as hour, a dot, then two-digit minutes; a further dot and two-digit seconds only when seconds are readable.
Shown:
8.45
